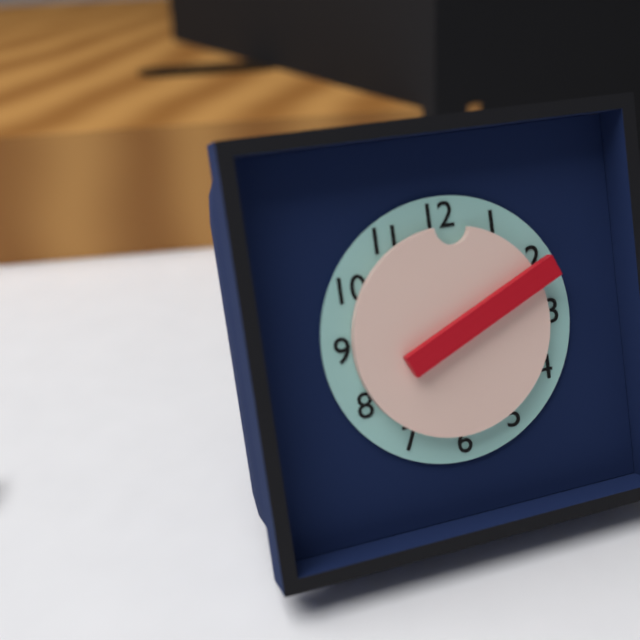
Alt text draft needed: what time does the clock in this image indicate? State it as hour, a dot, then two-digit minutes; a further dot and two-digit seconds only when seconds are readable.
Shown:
12.11
